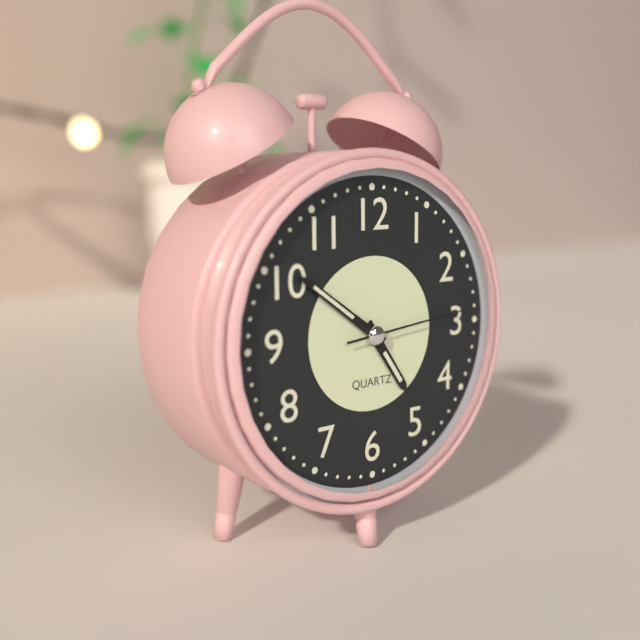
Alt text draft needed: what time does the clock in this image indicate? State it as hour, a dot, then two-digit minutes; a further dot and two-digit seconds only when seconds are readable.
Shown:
4.51.14
